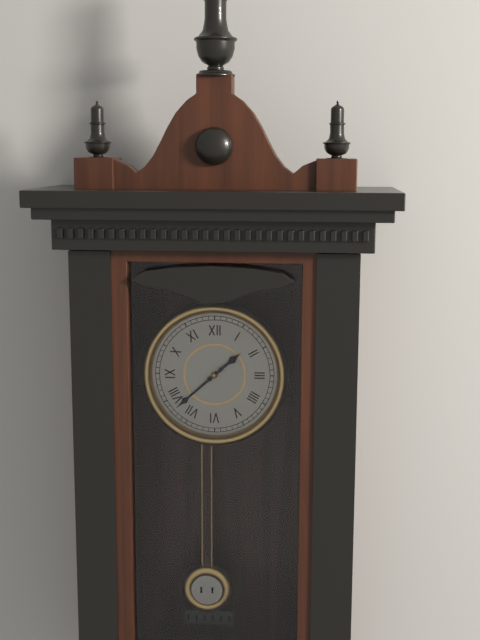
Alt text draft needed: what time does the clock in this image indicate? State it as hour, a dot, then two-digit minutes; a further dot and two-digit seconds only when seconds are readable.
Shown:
1.38
